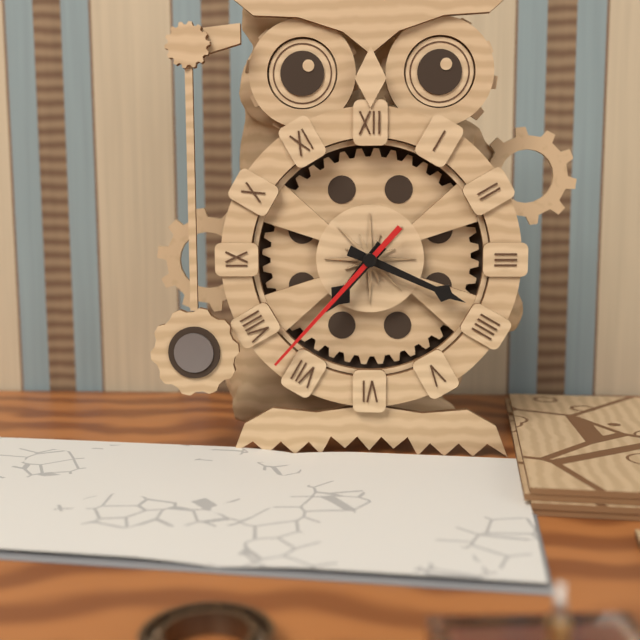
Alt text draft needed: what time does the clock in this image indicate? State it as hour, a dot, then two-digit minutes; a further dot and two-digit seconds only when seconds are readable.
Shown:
7.19.37
